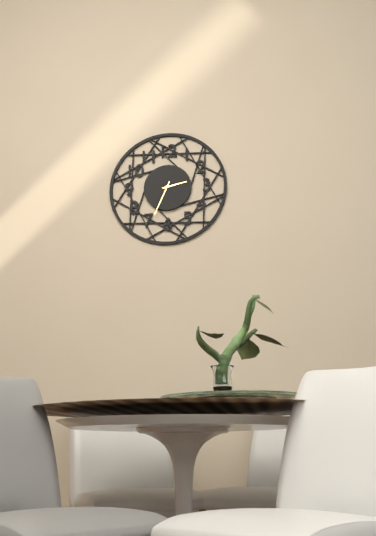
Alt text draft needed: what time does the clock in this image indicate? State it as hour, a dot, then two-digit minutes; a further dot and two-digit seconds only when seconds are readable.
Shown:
2.34
